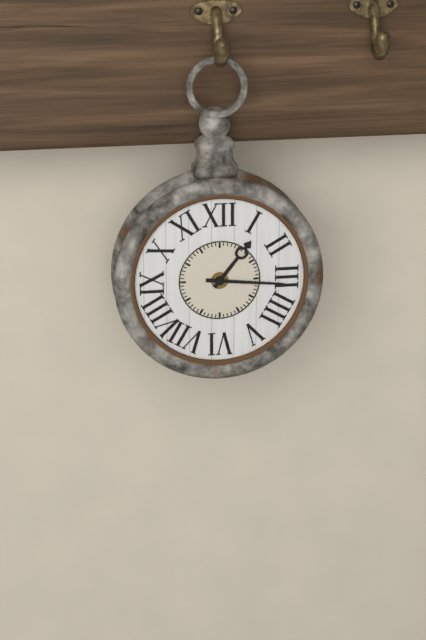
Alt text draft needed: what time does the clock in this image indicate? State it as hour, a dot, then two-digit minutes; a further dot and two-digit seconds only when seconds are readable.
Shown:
1.16
